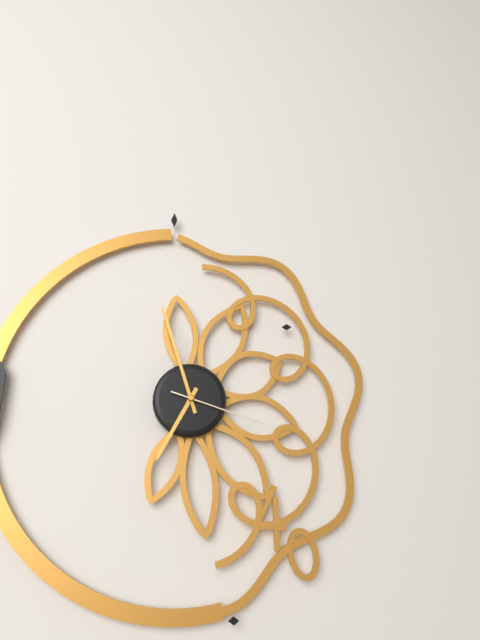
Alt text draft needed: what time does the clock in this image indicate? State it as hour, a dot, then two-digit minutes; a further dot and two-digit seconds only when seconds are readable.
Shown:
6.57.18
